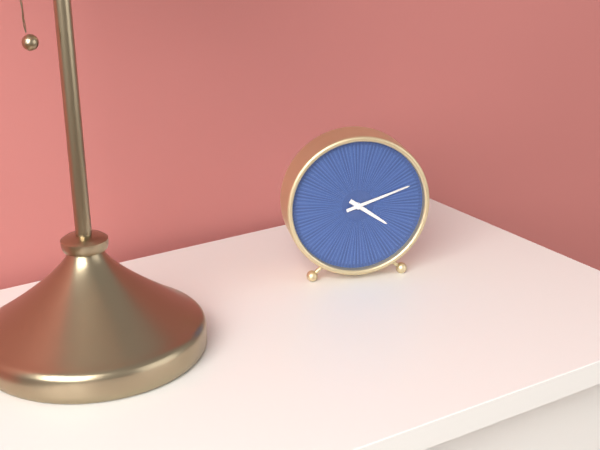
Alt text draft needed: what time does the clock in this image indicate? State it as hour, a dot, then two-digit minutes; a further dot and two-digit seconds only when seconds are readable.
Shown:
4.12
